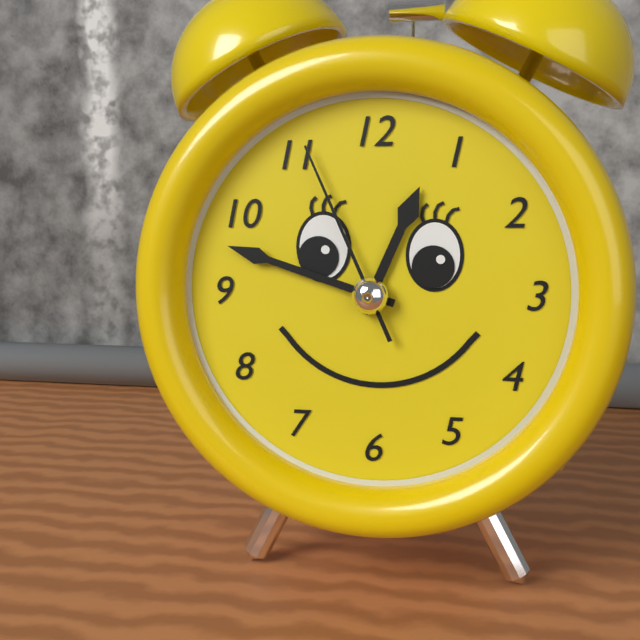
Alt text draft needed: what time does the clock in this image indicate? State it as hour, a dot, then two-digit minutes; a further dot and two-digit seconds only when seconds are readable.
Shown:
12.48.56
